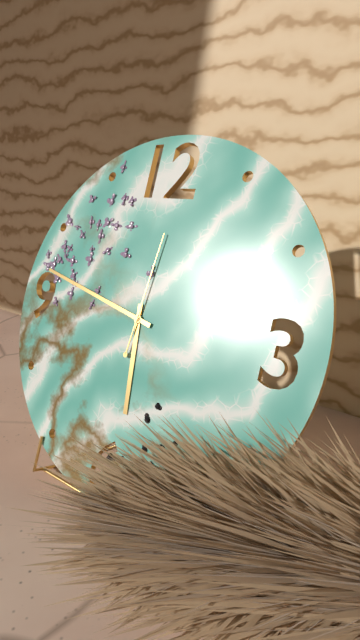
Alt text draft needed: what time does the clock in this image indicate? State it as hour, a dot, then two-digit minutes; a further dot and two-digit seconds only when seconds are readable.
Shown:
5.47.01
